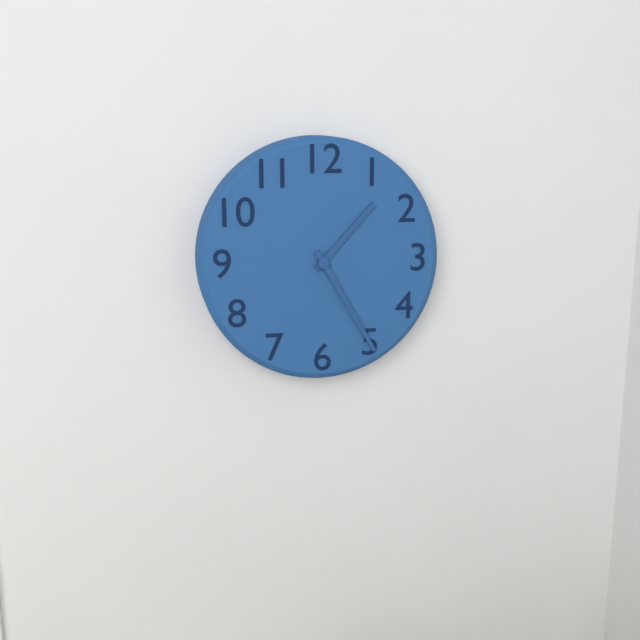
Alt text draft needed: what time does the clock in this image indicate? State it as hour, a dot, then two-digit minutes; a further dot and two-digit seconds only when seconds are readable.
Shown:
1.25
